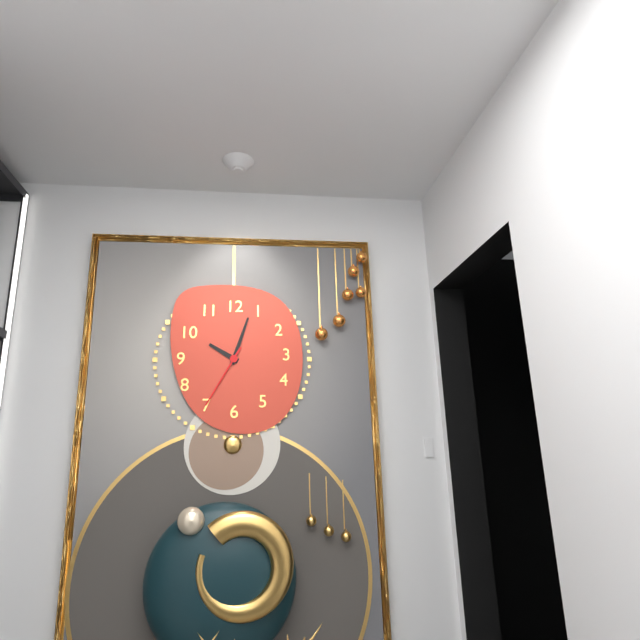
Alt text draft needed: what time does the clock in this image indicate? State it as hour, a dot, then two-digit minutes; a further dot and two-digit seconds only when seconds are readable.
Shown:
10.03.35
